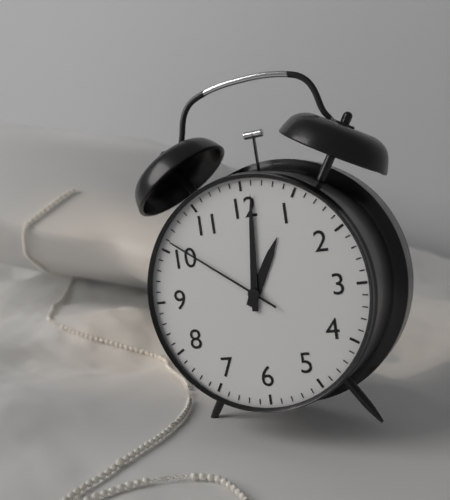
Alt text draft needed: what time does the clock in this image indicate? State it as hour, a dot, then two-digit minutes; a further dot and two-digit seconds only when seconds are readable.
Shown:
1.01.51
